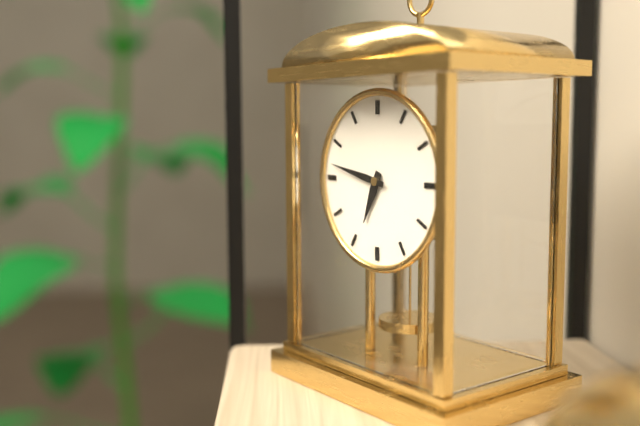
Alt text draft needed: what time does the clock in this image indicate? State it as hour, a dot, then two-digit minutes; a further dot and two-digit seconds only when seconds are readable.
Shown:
6.47
